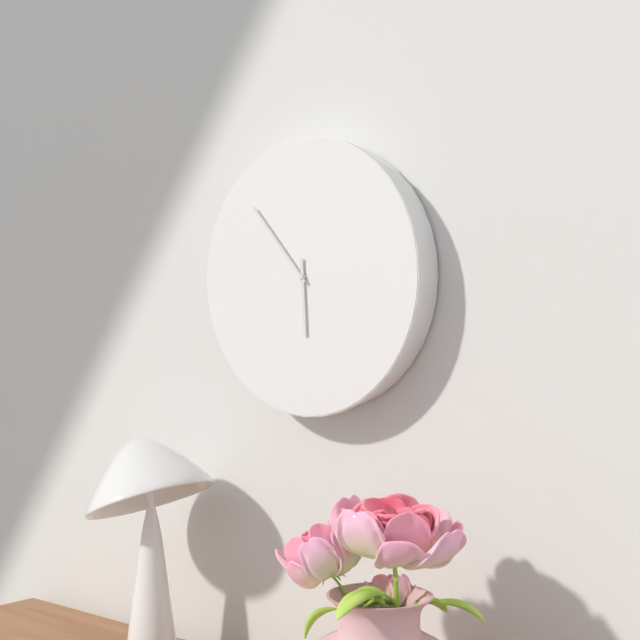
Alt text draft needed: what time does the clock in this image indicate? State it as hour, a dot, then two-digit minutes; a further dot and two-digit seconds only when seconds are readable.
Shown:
5.53
